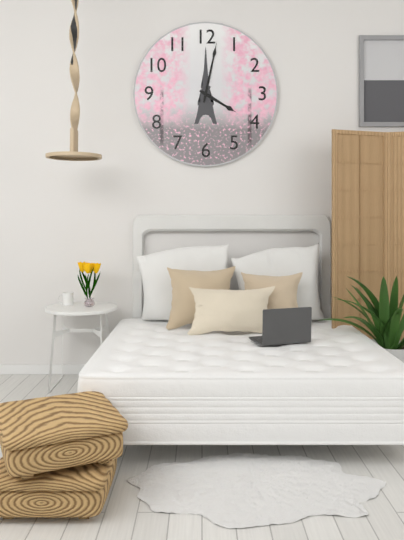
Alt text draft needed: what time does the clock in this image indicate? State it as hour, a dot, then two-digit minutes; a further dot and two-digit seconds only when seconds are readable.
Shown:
4.02
